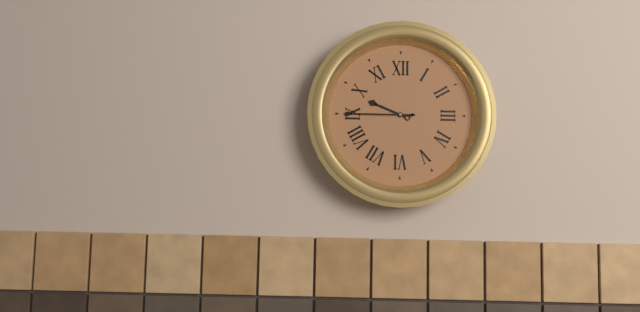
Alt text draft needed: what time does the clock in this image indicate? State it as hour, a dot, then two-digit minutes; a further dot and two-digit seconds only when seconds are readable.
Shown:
9.45
